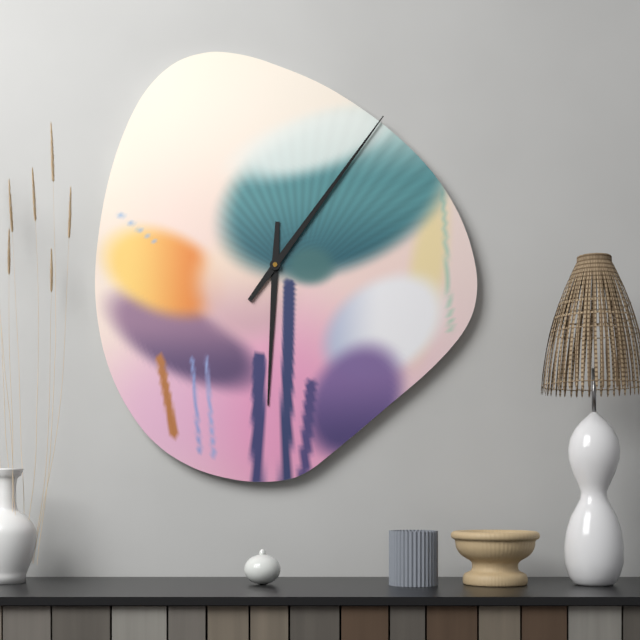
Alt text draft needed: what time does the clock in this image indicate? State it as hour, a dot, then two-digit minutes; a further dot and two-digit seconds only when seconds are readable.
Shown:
6.06
